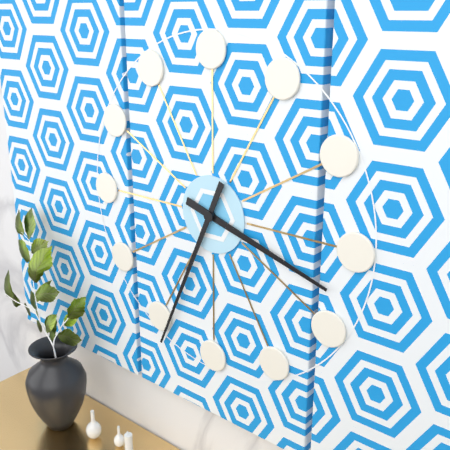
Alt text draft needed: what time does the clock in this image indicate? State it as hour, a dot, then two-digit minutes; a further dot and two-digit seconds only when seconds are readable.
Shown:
3.34
